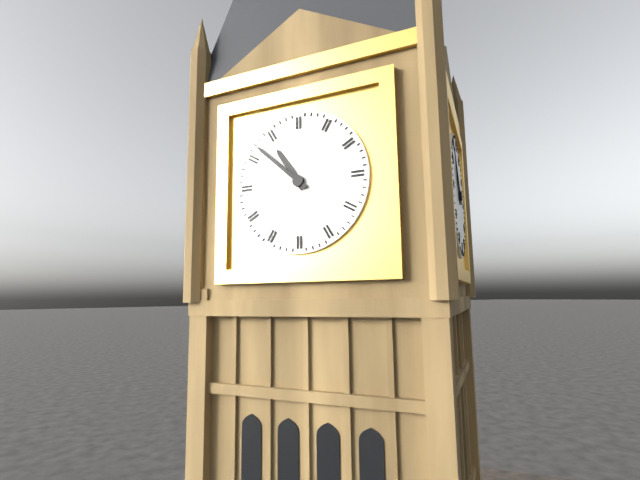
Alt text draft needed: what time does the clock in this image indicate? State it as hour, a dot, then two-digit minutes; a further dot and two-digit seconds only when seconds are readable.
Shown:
10.52
